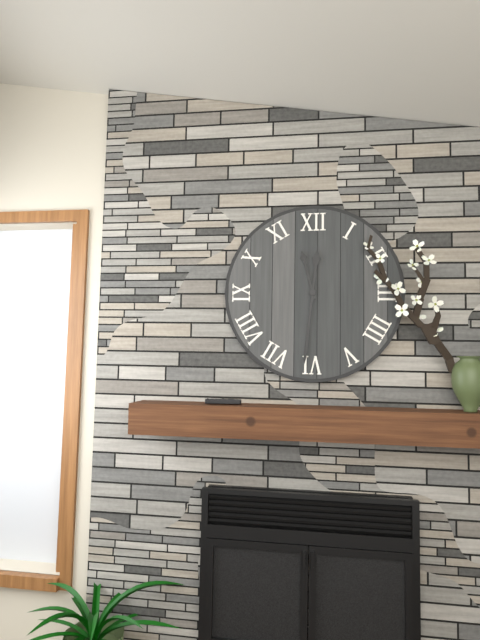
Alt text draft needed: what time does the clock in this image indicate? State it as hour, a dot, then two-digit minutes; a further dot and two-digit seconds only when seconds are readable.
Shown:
11.31
